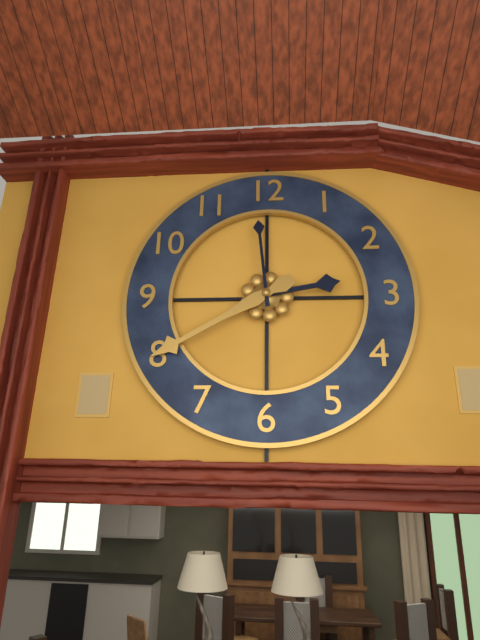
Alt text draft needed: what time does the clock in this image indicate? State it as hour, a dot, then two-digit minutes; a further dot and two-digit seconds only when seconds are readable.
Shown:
2.40.59
